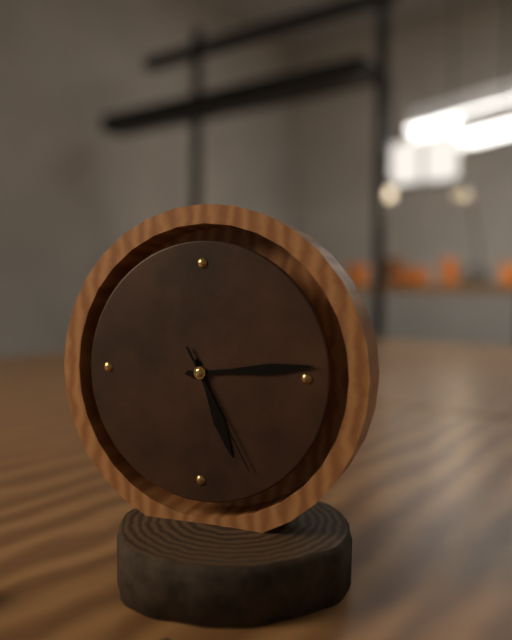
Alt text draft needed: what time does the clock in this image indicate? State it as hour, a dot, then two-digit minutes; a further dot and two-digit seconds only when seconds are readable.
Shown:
5.14.25
